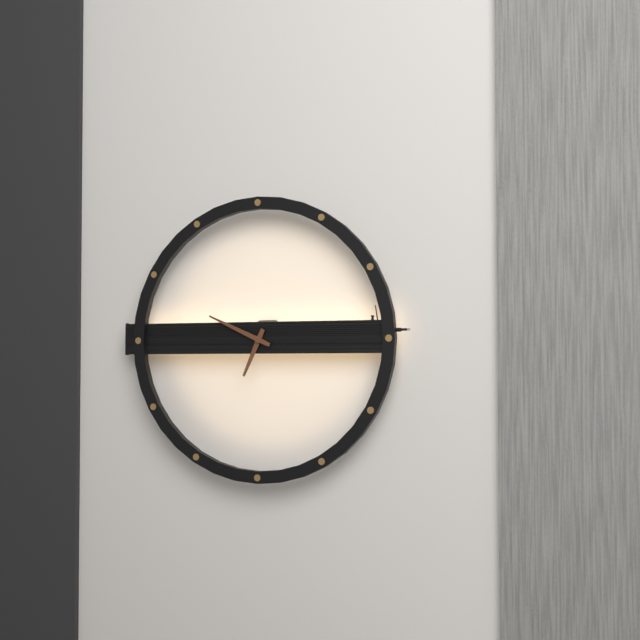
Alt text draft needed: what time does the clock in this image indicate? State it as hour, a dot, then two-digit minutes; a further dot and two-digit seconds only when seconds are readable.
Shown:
6.49
